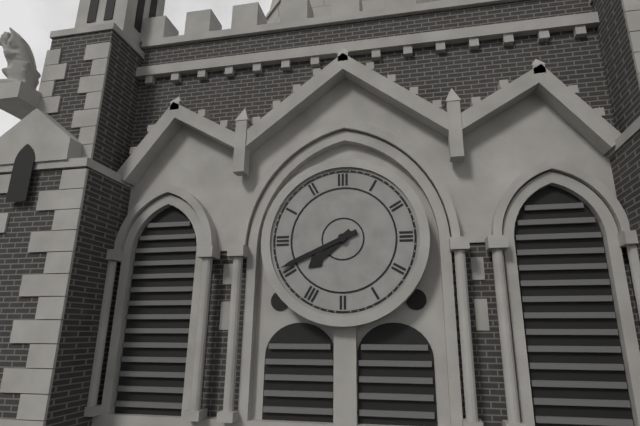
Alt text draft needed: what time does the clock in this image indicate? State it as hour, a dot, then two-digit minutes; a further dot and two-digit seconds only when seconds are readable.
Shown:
7.41
